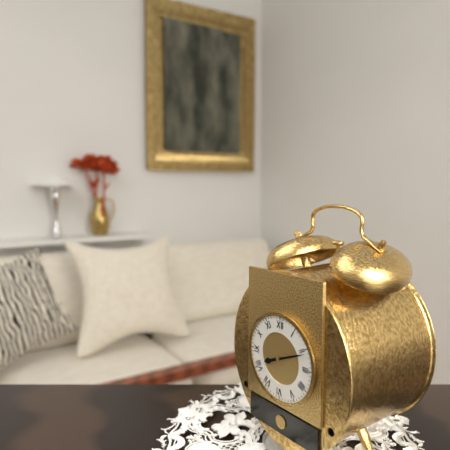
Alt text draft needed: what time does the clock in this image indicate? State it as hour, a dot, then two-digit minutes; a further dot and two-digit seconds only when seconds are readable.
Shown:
8.11
